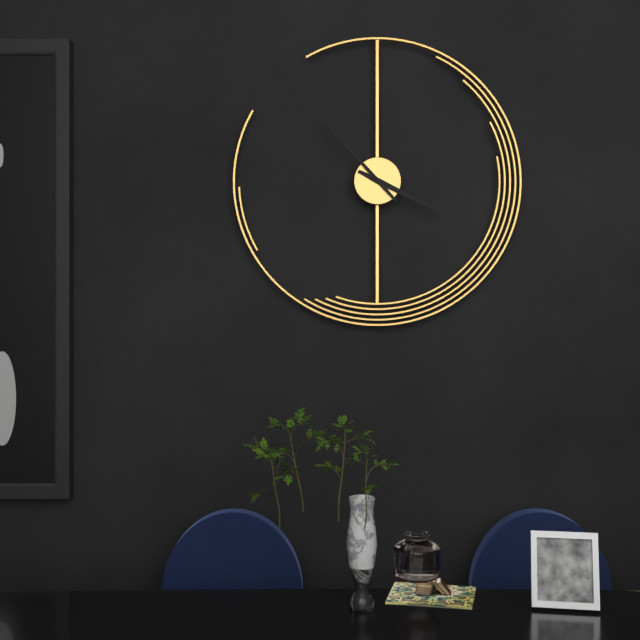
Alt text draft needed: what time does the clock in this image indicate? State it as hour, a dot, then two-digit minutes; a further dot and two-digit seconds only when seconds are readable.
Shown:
3.53
